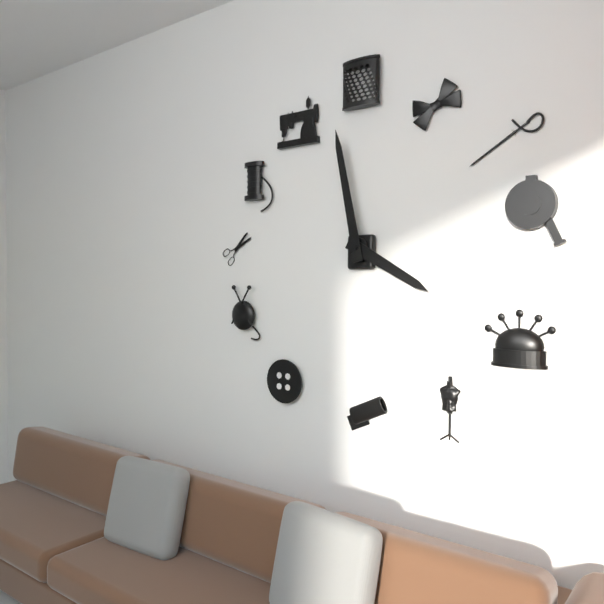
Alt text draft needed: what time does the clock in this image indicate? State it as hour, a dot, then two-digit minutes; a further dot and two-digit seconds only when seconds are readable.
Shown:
3.58
